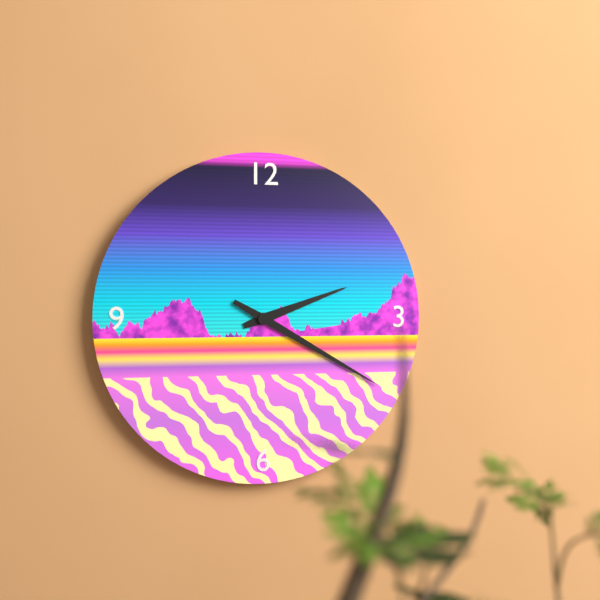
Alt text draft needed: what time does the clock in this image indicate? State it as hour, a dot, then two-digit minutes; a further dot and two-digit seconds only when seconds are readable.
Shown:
2.20
